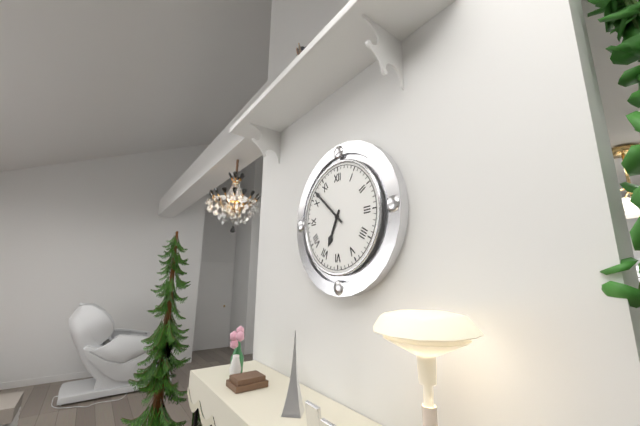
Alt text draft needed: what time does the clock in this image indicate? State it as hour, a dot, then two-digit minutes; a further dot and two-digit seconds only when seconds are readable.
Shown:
6.52
